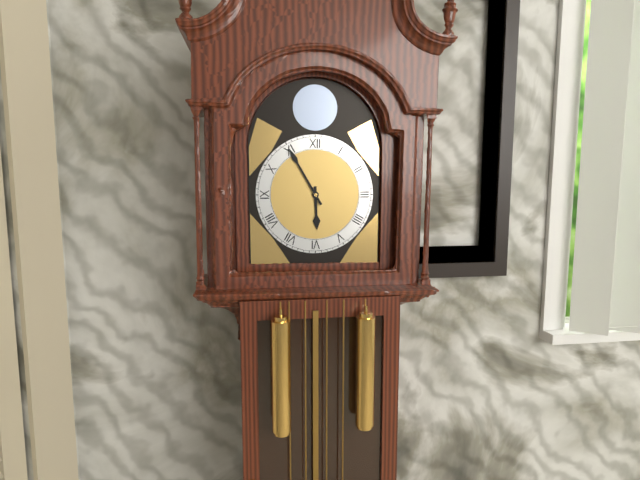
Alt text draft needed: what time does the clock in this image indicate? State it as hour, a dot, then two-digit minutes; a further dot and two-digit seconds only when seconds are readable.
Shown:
5.55
